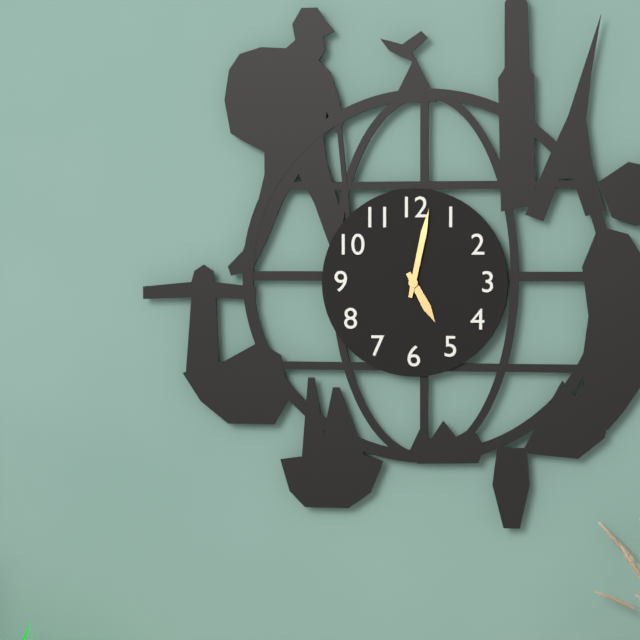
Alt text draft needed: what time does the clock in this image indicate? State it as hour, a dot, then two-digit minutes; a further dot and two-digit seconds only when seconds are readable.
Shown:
5.02
